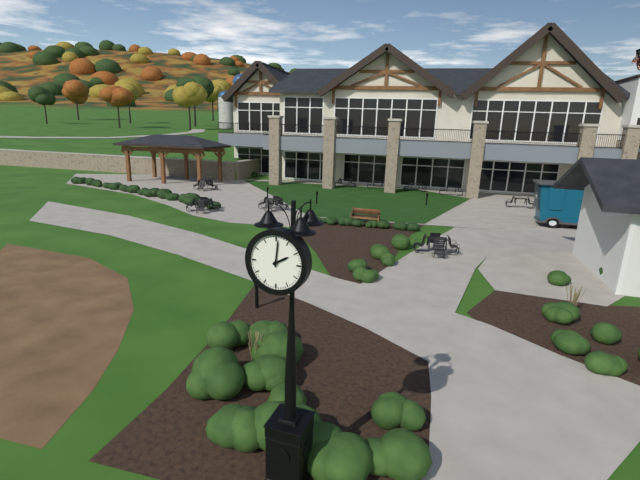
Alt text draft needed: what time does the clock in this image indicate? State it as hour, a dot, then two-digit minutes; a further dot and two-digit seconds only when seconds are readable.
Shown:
2.01
